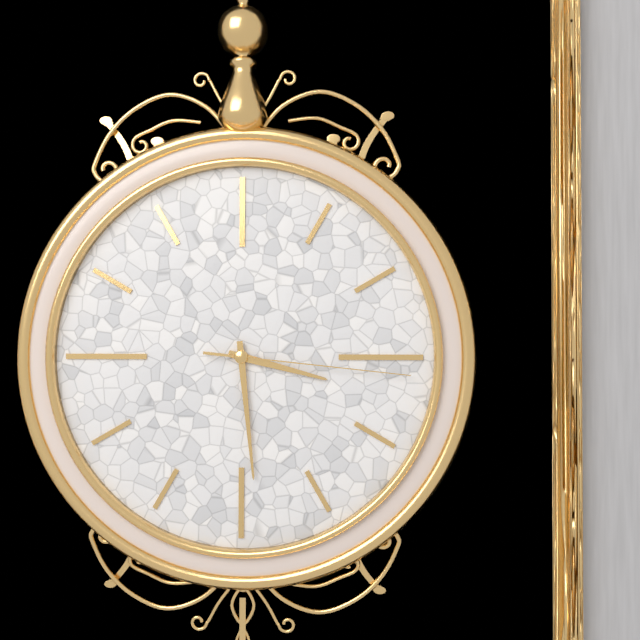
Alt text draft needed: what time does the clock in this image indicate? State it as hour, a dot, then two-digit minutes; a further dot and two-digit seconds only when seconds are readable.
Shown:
3.29.16
